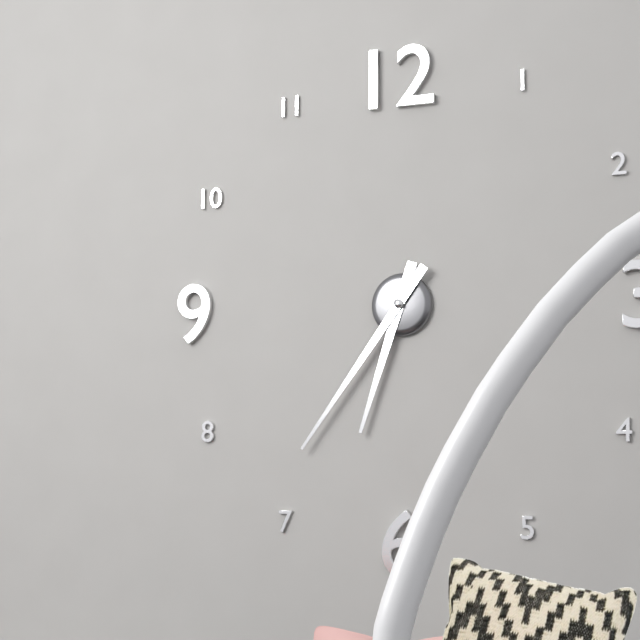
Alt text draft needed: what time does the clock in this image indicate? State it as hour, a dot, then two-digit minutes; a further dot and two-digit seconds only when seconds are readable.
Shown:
6.36
